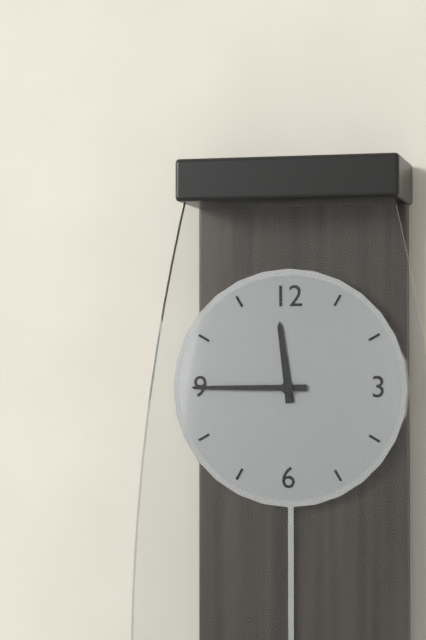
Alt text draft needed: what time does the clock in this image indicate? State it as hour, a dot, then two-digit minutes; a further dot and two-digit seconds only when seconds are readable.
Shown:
11.45
